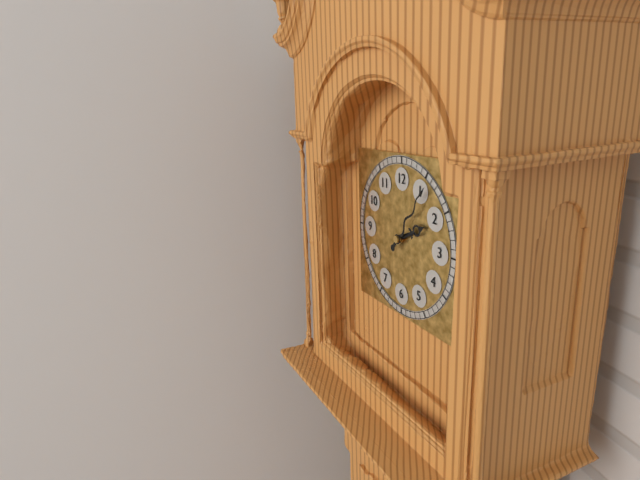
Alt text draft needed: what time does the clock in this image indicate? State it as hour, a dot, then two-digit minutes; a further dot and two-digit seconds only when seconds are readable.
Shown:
2.06
